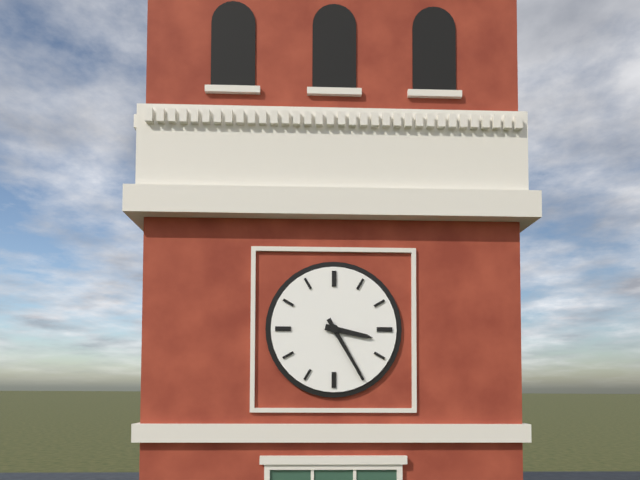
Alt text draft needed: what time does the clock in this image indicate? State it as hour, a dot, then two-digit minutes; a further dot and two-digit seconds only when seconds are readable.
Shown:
3.25
